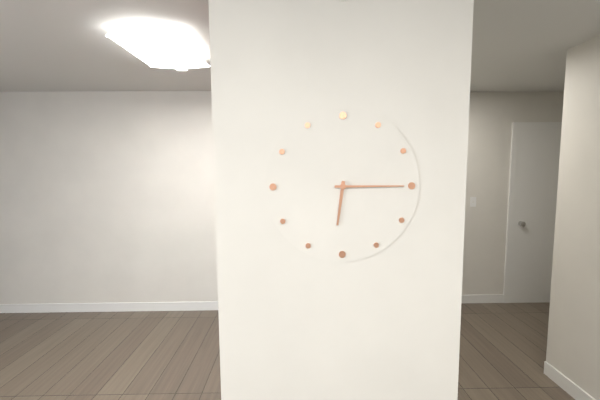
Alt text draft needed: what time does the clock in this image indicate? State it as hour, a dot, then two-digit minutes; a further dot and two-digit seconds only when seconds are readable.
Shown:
6.15
